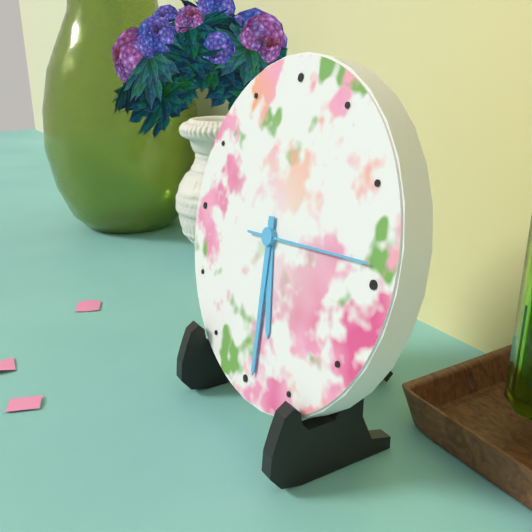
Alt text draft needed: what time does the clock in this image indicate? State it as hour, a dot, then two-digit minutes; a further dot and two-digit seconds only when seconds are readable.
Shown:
5.29.14
